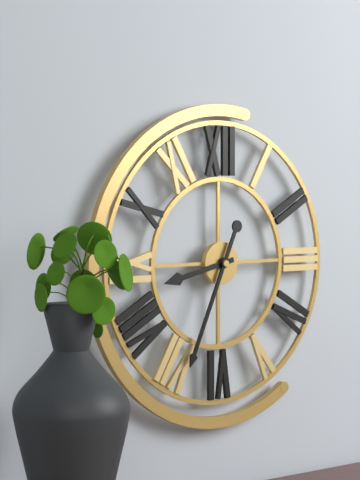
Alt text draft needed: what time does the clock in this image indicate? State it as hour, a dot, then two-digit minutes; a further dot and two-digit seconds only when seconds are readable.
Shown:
8.34
